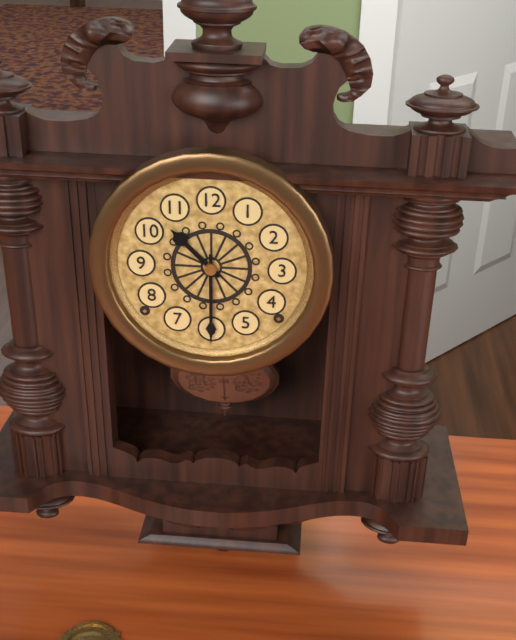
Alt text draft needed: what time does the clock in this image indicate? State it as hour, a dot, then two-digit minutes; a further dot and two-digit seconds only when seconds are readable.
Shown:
10.30
